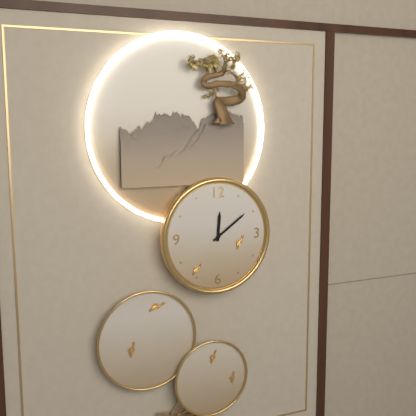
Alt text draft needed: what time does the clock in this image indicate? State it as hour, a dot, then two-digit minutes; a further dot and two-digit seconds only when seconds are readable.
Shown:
12.09
